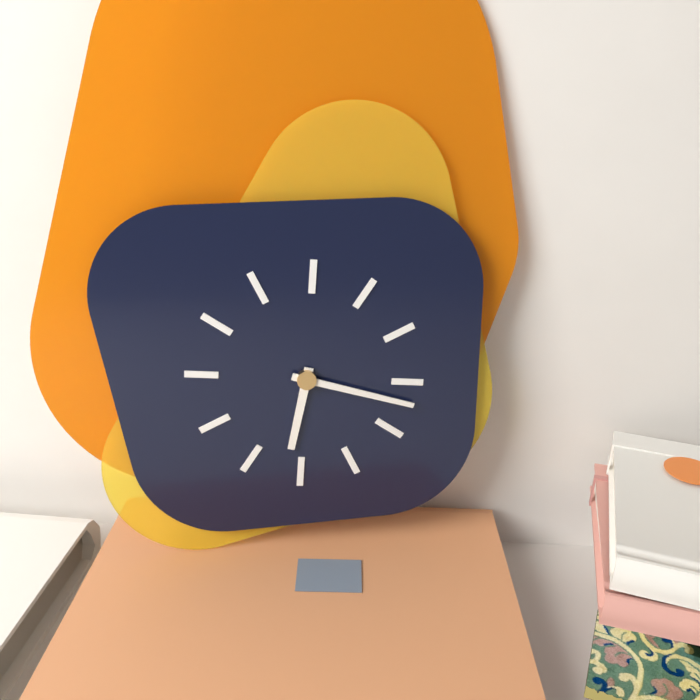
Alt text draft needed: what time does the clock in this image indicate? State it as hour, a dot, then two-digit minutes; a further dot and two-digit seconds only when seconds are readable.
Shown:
6.17
